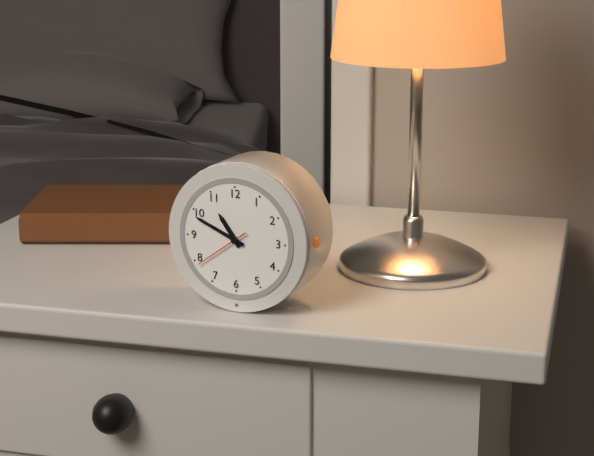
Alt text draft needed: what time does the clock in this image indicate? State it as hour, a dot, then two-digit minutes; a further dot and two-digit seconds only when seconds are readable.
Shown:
10.49.39
